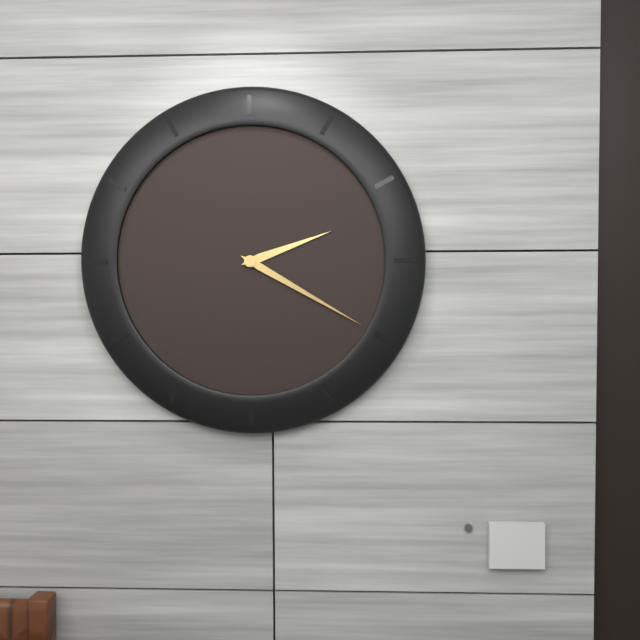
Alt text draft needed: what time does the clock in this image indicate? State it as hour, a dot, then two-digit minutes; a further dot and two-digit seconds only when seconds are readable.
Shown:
2.20
